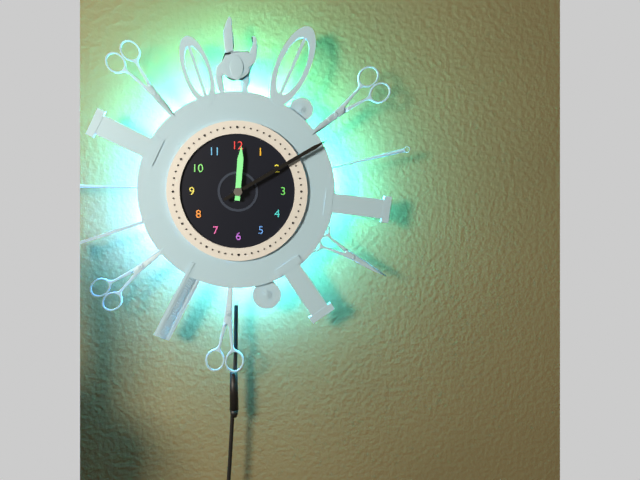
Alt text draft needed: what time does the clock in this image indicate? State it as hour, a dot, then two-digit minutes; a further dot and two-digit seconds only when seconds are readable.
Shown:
12.10
